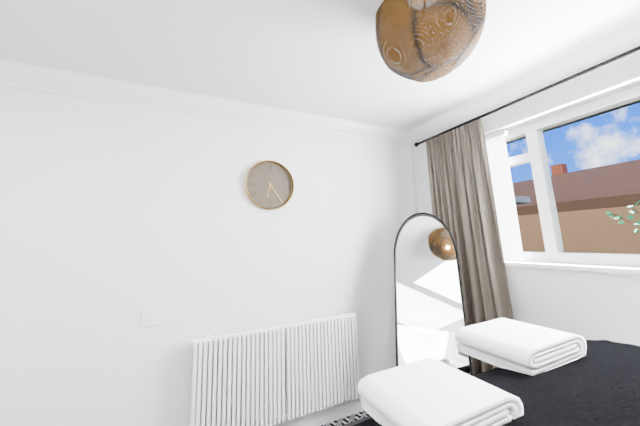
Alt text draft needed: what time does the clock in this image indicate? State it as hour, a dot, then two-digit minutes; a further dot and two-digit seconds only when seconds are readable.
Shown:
6.24
